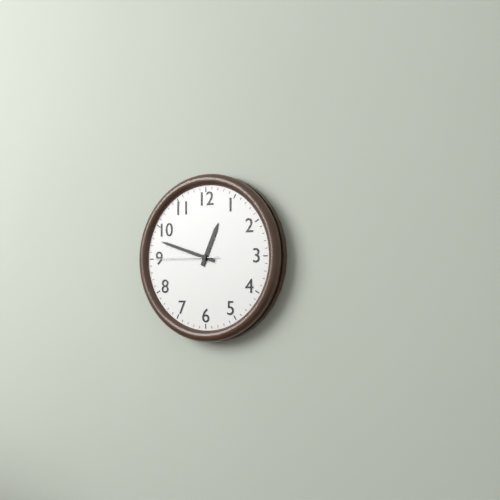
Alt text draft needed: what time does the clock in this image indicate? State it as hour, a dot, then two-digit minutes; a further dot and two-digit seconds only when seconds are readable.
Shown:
12.48.45
